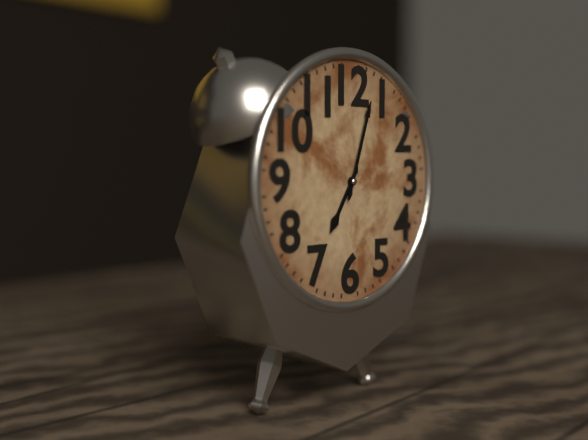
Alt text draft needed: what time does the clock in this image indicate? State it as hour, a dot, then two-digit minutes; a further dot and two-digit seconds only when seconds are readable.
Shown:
7.03
